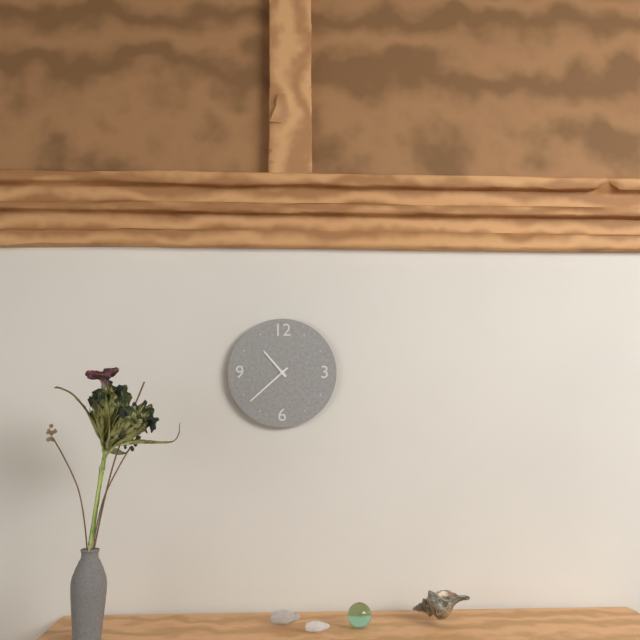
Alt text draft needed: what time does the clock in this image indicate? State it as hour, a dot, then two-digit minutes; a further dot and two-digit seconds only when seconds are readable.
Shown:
10.38
